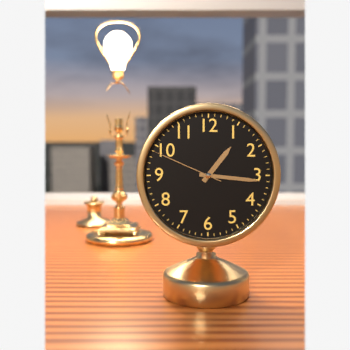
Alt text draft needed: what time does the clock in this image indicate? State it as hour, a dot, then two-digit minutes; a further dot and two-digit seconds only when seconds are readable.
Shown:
1.16.49
